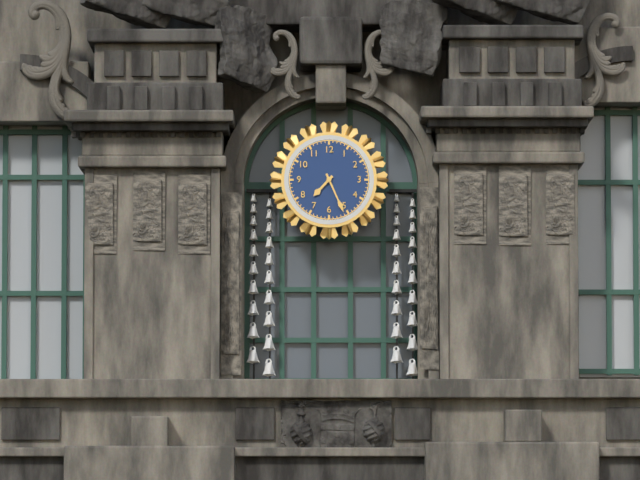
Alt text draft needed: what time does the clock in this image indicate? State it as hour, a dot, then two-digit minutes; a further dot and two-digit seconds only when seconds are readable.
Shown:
7.26
